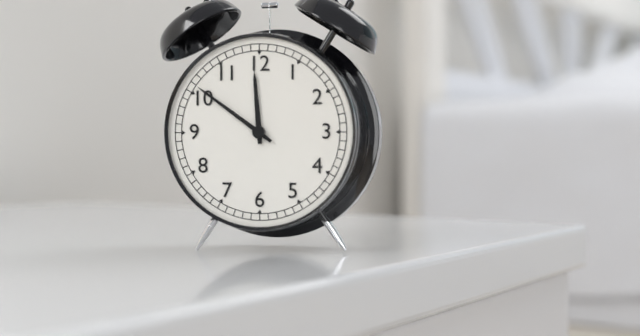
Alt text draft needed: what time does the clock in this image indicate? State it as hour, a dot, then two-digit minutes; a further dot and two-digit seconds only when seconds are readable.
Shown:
11.51
